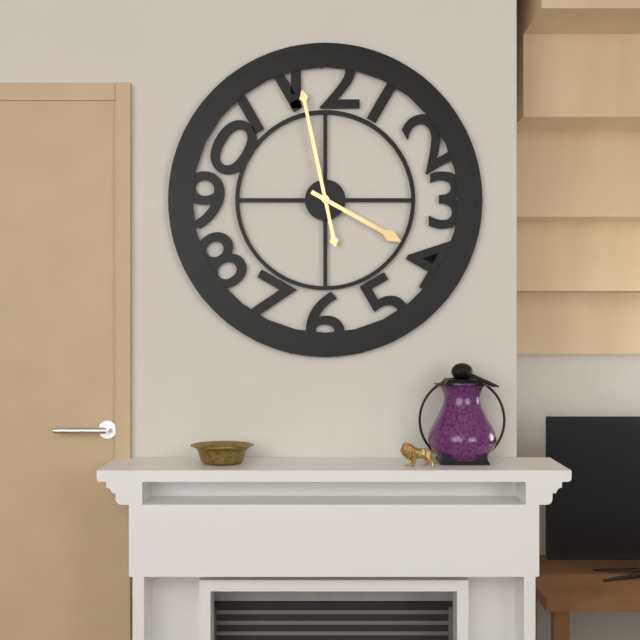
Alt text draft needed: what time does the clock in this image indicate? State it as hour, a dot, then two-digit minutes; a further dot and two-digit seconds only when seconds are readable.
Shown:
3.58
